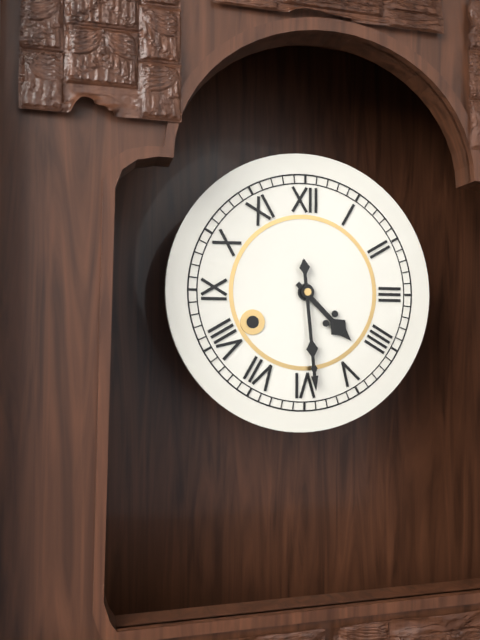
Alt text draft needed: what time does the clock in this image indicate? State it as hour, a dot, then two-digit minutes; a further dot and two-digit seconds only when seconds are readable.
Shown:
4.29
